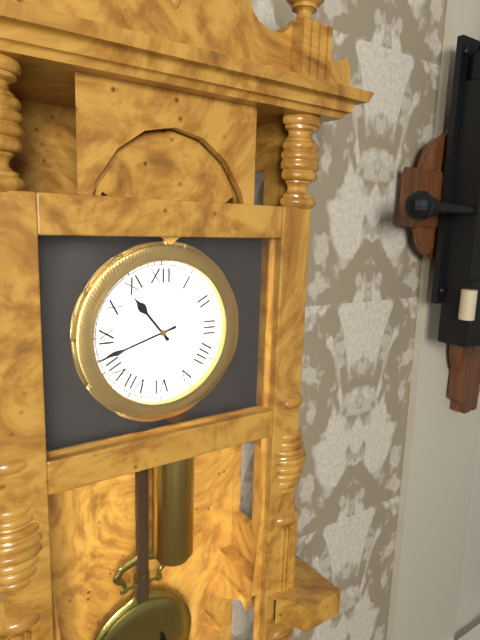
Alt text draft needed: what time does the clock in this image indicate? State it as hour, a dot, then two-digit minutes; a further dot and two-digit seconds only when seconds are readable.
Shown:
10.42
